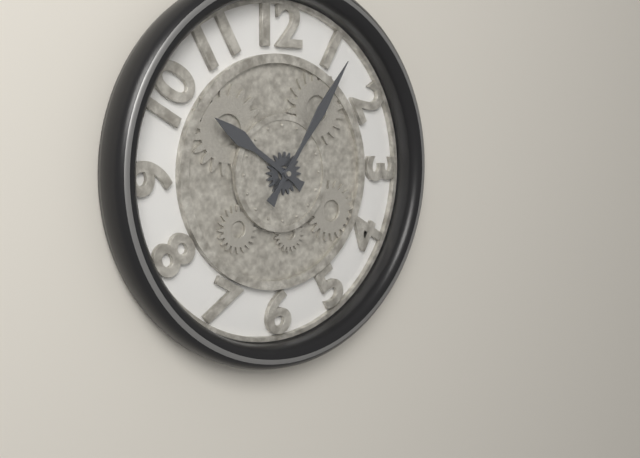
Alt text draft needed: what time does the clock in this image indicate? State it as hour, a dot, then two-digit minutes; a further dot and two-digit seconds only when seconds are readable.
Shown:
10.06
